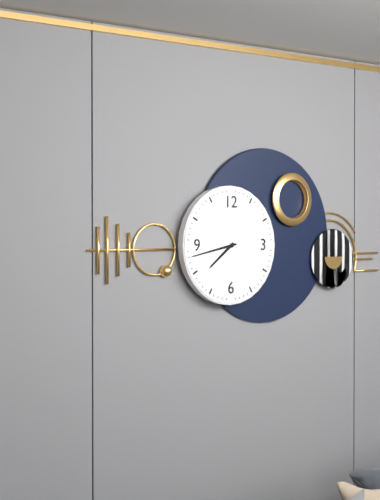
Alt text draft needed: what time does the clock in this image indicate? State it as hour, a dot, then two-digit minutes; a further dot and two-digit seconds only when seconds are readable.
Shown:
7.43
